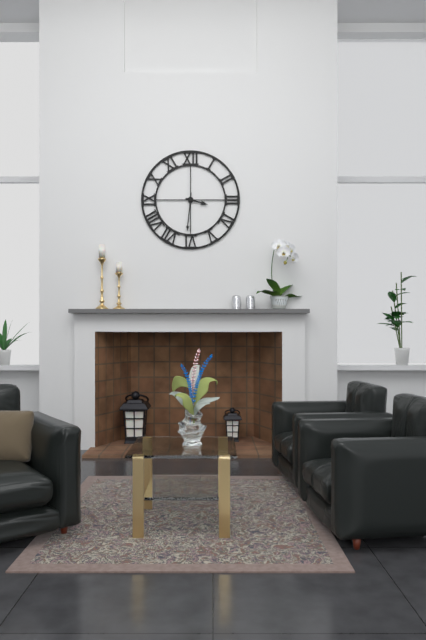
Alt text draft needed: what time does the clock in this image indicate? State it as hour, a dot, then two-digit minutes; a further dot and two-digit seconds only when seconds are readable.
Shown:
3.31
